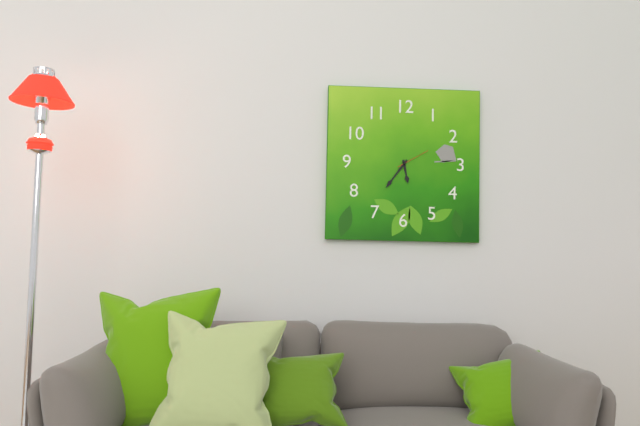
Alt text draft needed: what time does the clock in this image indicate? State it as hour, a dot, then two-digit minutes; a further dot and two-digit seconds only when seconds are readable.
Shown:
5.36
